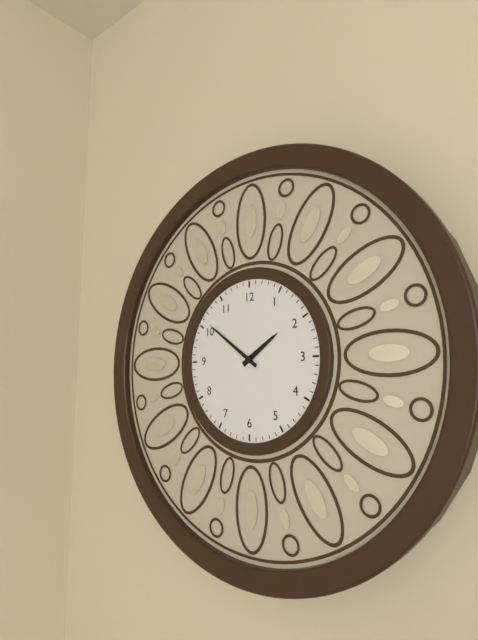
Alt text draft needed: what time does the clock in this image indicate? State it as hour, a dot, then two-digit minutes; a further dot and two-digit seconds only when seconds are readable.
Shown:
1.51
